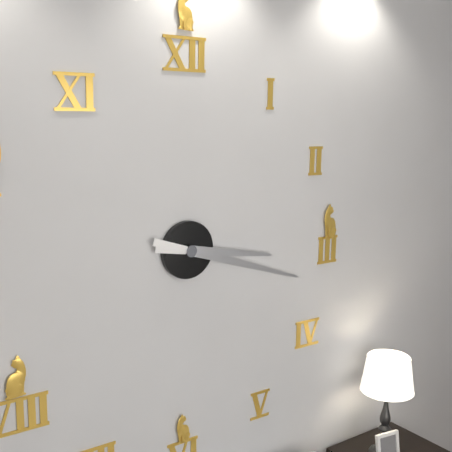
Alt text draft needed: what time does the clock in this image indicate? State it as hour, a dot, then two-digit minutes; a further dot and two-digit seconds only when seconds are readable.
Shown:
3.18
